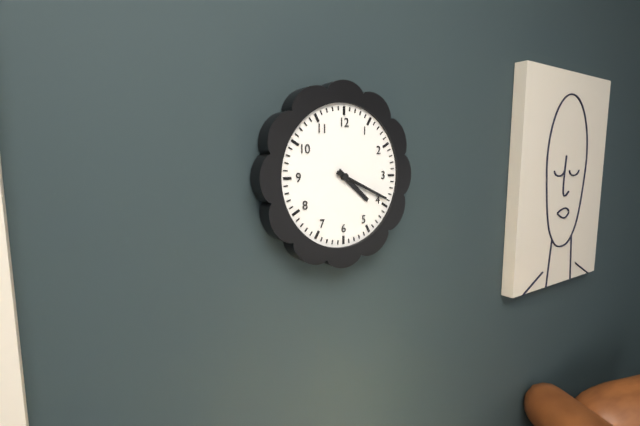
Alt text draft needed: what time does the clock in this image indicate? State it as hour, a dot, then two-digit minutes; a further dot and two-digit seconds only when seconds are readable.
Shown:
4.19
